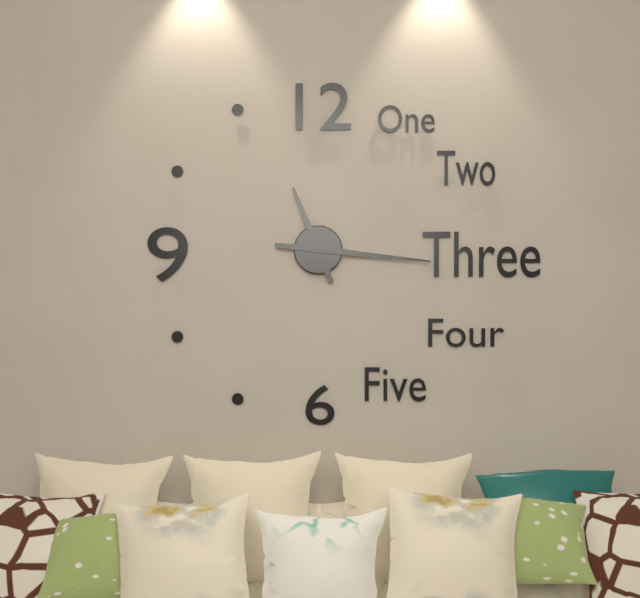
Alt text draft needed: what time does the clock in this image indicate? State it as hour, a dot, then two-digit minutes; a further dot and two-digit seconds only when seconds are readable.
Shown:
11.16
